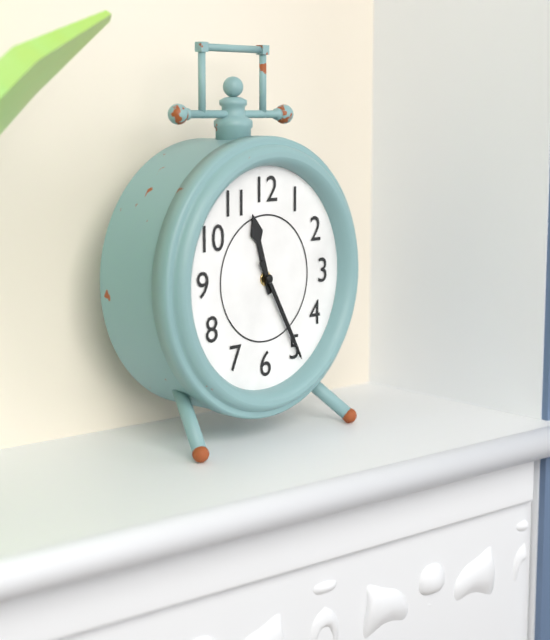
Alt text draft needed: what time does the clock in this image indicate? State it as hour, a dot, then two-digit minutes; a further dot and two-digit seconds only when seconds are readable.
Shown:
11.25
